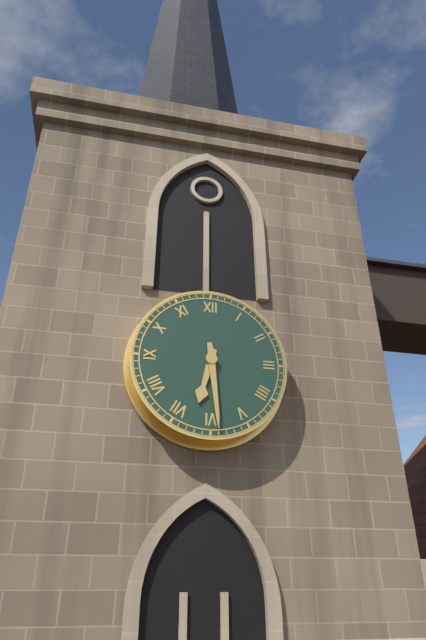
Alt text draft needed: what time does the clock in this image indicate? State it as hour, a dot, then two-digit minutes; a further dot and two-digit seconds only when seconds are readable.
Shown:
6.29
